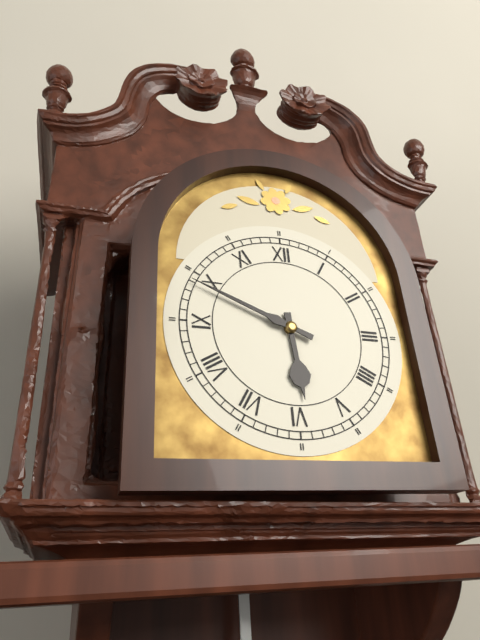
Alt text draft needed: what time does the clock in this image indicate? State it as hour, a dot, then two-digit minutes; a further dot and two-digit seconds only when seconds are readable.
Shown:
5.49
